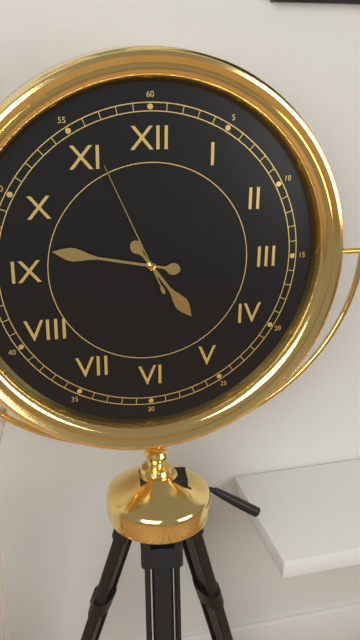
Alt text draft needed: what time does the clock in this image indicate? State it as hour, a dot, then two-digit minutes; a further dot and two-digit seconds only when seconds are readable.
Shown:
4.47.56
